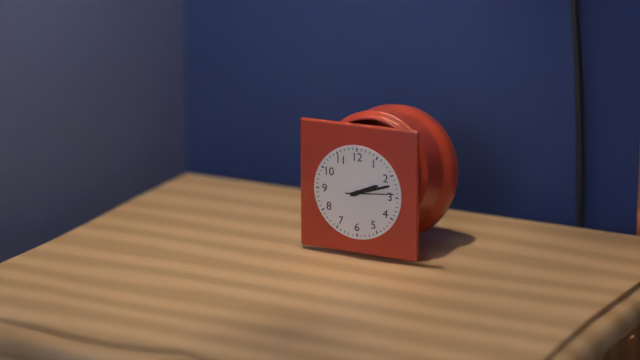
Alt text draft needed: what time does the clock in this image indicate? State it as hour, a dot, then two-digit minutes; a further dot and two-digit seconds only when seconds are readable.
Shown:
2.12
